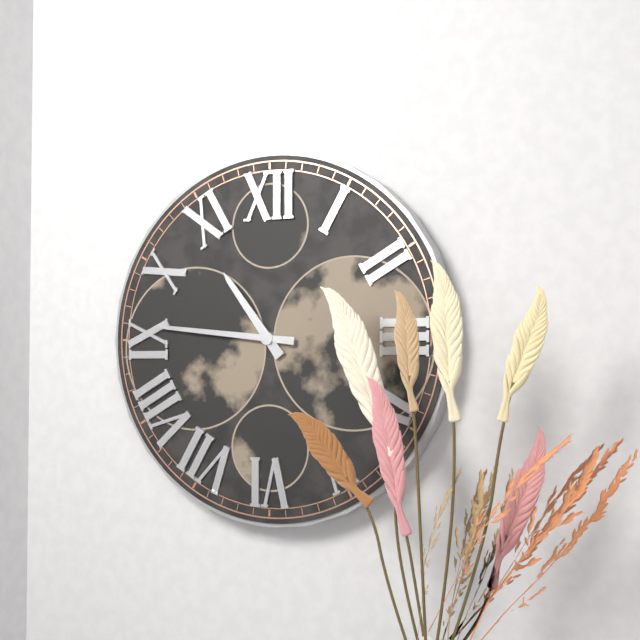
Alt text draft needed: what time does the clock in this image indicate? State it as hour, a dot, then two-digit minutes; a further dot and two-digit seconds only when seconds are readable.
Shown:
10.46
